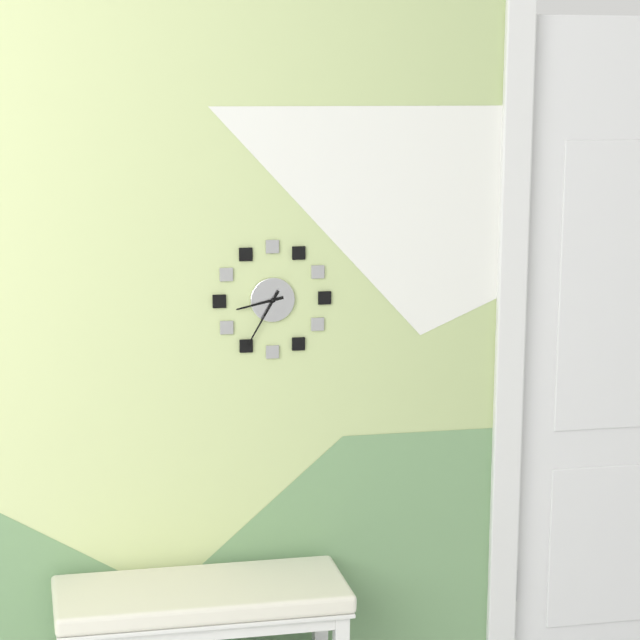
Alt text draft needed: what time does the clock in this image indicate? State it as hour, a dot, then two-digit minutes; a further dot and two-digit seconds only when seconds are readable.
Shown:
8.35
